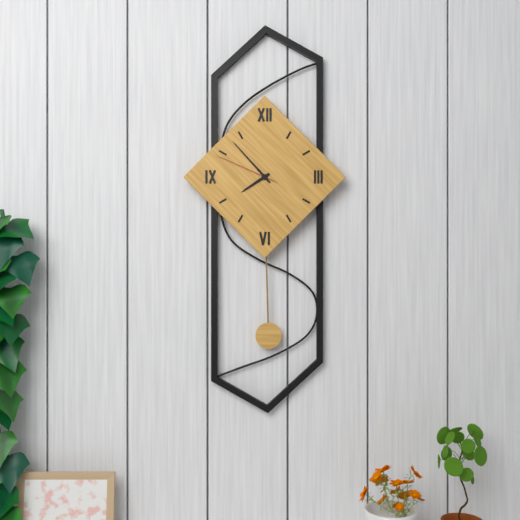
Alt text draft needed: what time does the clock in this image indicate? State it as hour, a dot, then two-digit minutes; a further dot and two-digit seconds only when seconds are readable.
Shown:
7.53.49
